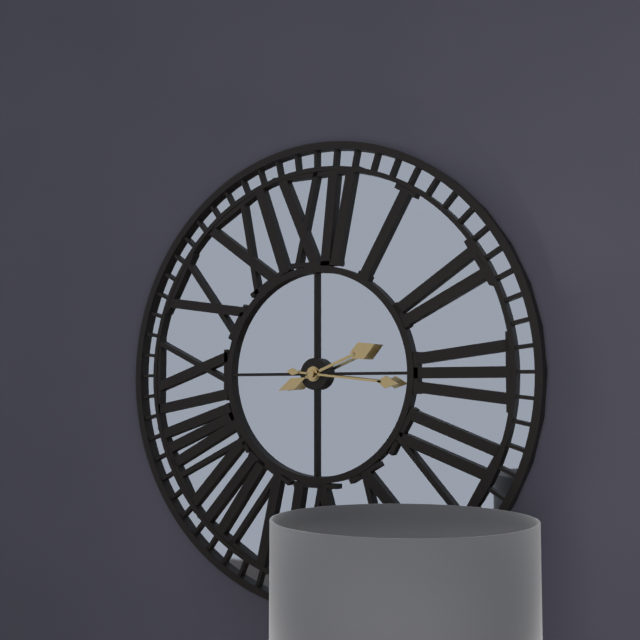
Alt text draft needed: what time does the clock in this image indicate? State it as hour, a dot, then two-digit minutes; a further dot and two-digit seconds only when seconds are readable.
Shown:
2.16
